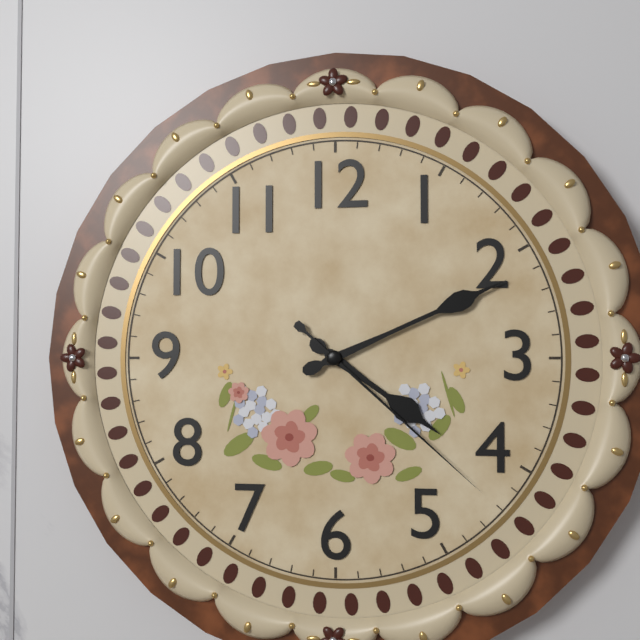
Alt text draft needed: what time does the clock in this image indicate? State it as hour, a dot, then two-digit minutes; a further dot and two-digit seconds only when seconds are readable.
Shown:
4.11.22
